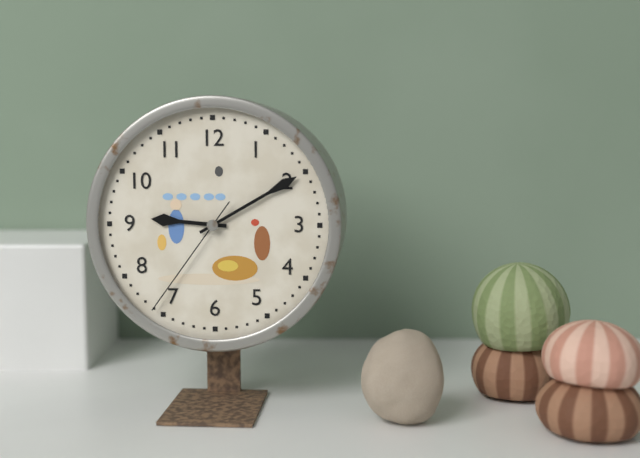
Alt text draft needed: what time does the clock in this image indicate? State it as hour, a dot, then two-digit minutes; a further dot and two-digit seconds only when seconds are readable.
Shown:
9.10.36
